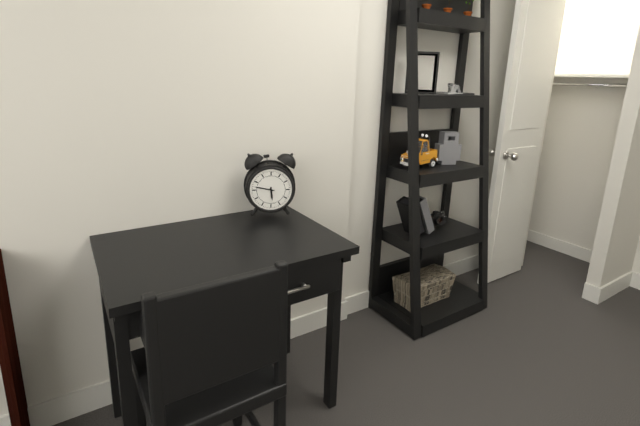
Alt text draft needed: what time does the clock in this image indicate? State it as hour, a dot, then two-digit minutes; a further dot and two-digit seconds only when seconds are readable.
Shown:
5.47
